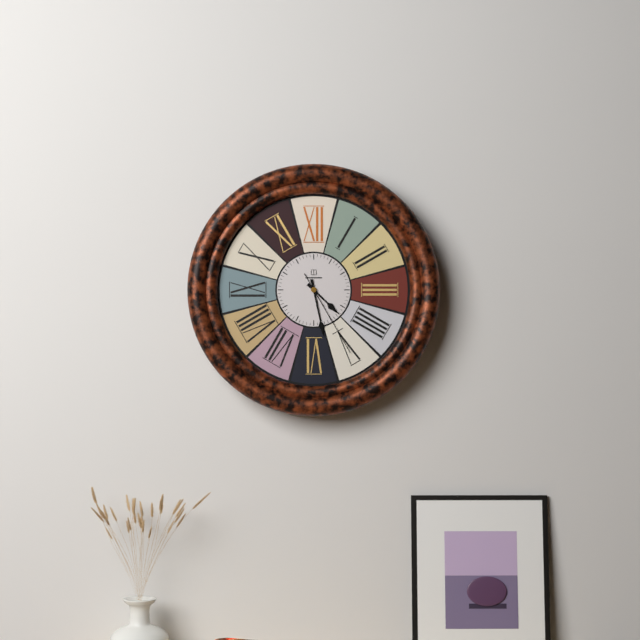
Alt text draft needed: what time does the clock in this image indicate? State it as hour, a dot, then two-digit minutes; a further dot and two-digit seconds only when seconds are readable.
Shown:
4.28.25
